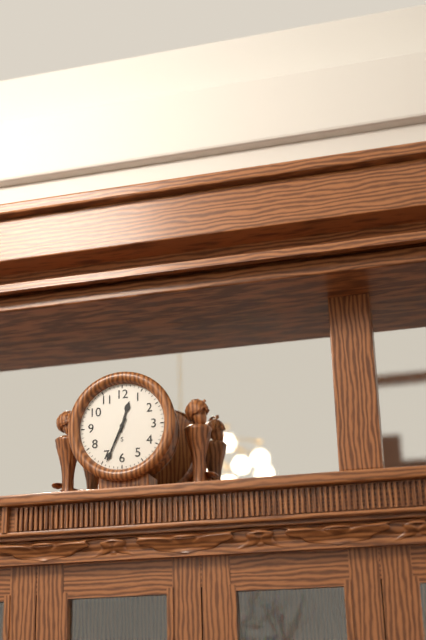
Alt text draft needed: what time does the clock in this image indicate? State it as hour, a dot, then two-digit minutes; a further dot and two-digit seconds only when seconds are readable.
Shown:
12.34
